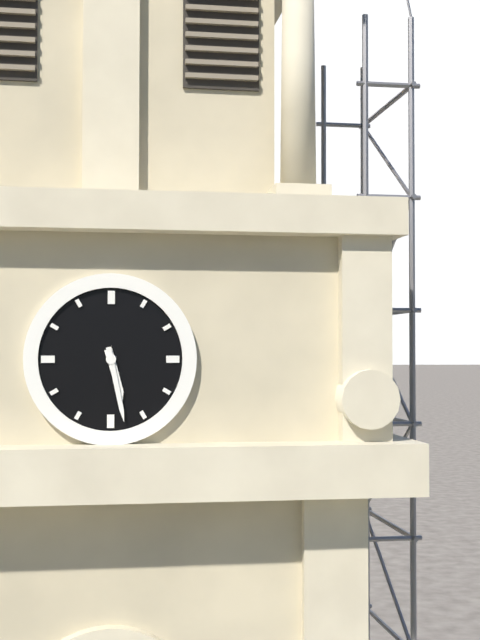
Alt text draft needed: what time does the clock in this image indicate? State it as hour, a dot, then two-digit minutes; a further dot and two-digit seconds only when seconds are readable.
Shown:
5.28
